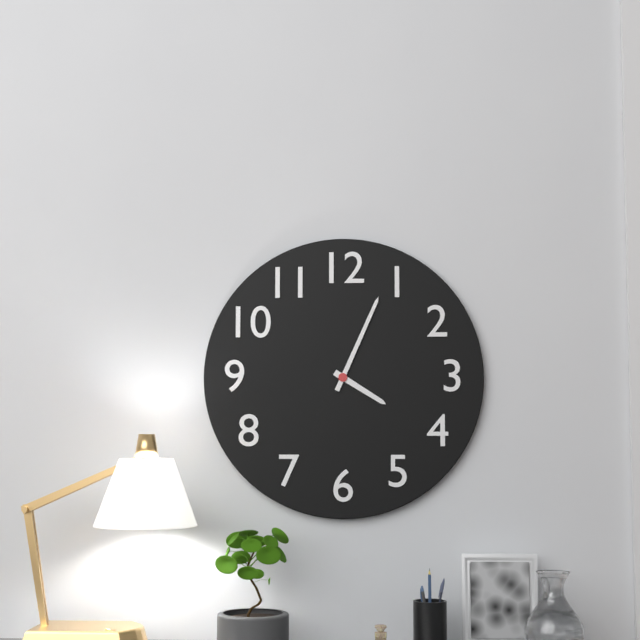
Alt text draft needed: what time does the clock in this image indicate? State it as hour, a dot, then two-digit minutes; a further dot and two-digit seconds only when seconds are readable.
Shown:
4.04
